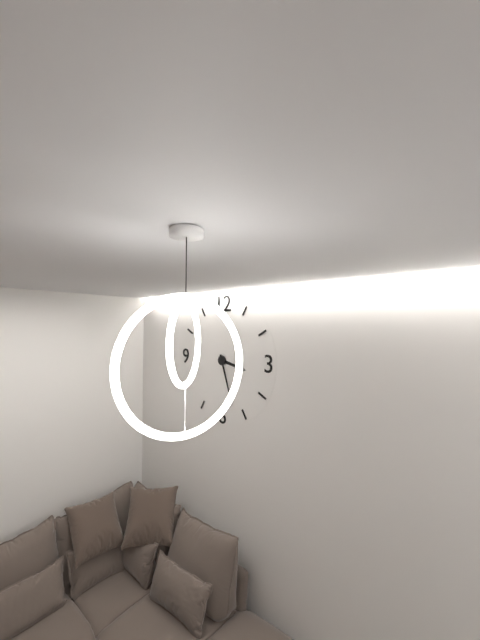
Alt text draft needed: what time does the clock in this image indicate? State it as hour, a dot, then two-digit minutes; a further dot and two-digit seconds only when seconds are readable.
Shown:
3.27
